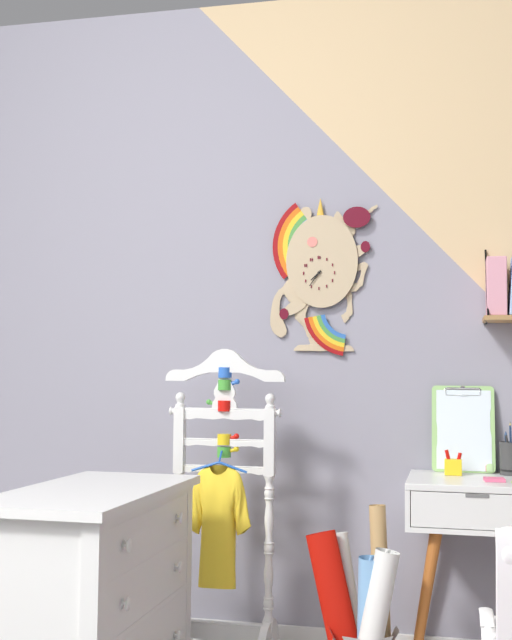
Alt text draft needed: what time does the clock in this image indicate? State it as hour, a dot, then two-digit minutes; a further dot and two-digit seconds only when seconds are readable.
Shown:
7.36
